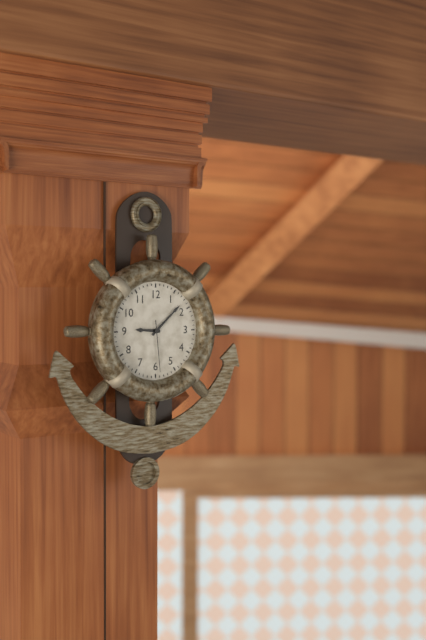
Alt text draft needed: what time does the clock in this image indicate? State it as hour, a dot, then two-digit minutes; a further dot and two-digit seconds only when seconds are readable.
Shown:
9.08.29
